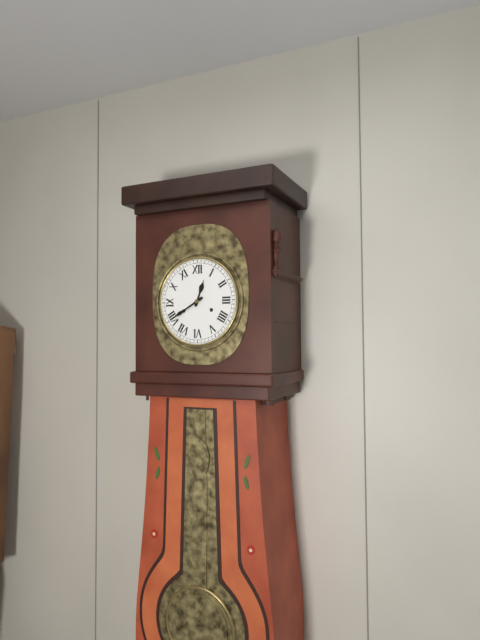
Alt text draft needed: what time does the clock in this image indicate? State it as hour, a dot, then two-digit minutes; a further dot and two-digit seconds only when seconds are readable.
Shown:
12.40
